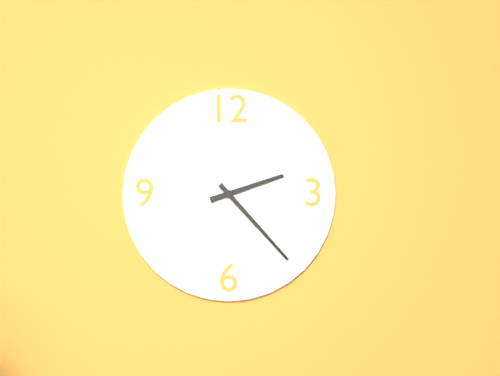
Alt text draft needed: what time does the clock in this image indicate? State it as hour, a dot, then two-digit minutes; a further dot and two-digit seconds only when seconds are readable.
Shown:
2.23
